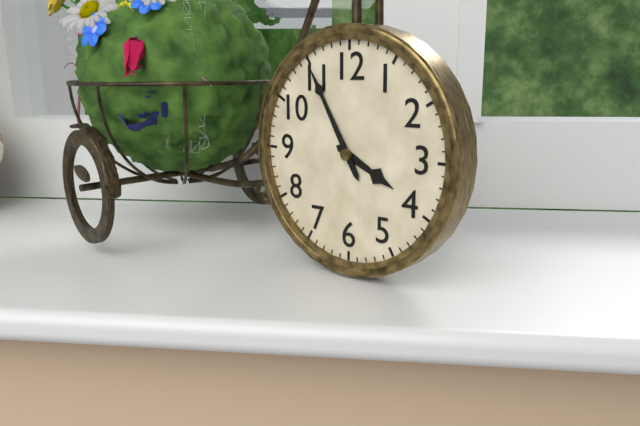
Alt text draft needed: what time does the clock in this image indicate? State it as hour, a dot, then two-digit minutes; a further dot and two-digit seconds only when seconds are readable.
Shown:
3.55
